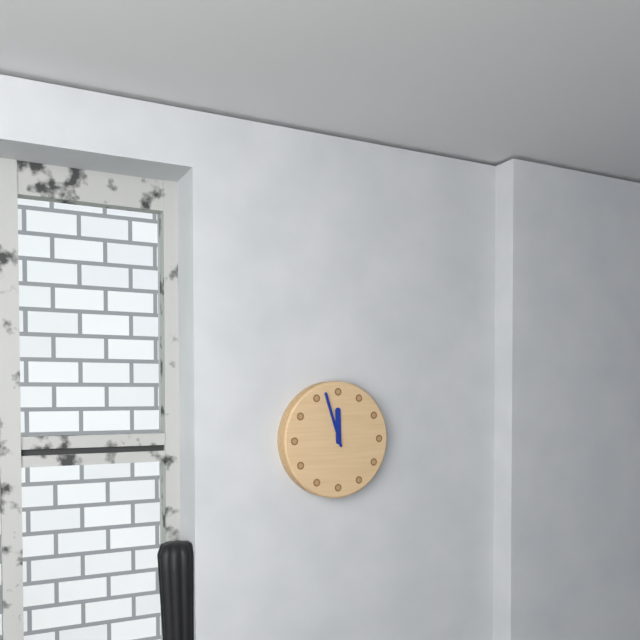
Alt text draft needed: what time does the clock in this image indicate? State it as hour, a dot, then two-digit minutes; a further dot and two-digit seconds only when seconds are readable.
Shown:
11.57
